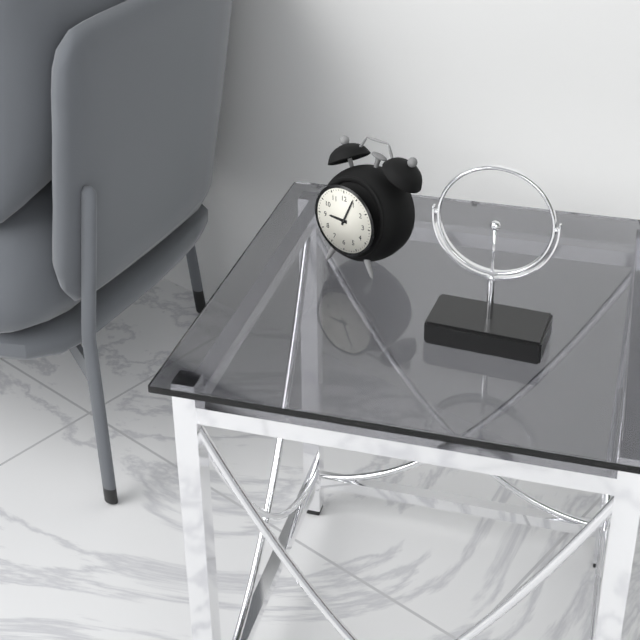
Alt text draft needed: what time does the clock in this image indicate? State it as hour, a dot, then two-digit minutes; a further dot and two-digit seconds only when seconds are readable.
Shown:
9.04
